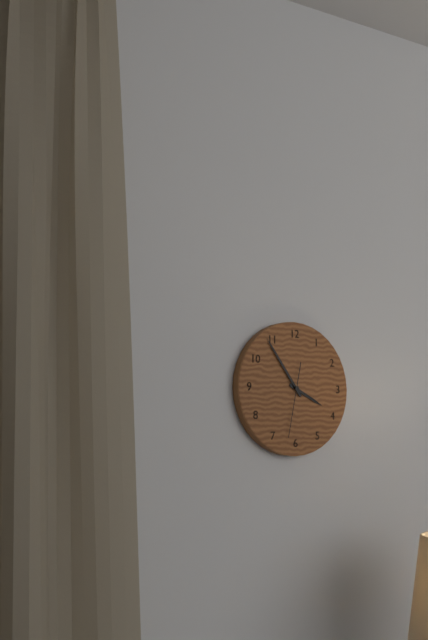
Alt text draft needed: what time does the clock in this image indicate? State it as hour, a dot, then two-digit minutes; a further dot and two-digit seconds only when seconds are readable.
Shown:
3.54.32
